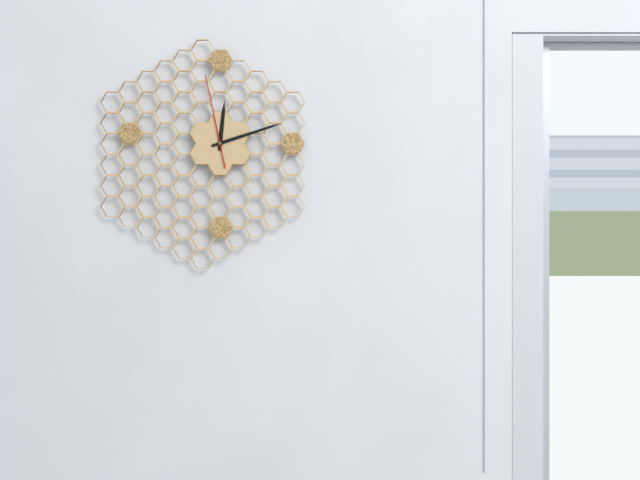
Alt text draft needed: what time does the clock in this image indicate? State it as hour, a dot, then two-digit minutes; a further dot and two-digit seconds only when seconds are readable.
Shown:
12.12.58
